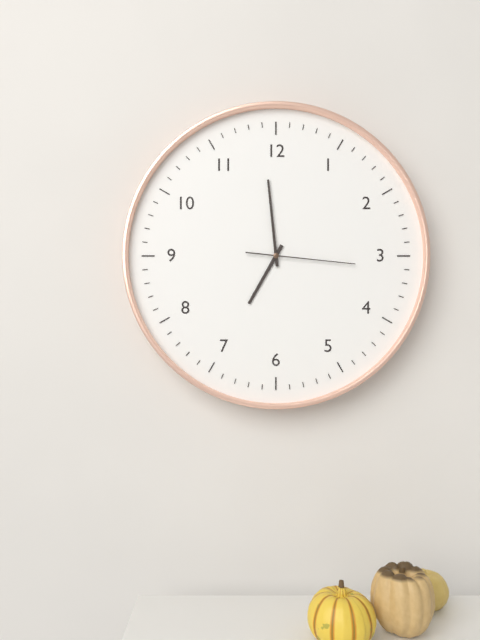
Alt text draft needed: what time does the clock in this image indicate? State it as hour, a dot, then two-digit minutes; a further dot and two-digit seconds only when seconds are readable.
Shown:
6.59.16
